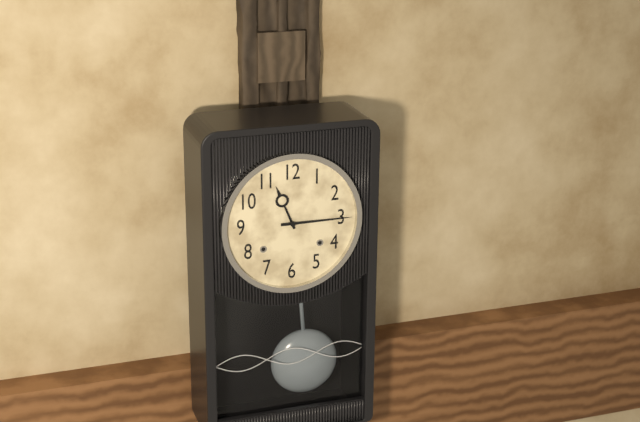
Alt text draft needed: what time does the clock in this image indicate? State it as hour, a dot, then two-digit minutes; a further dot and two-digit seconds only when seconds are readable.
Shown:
11.15
